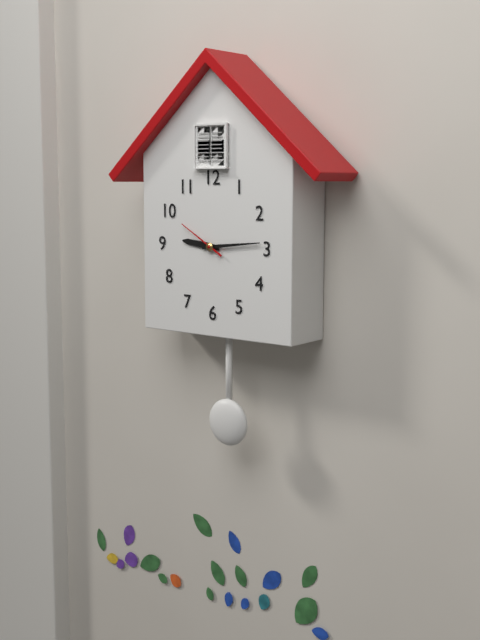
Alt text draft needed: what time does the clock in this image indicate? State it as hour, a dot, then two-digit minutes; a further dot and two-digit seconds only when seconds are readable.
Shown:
9.14
